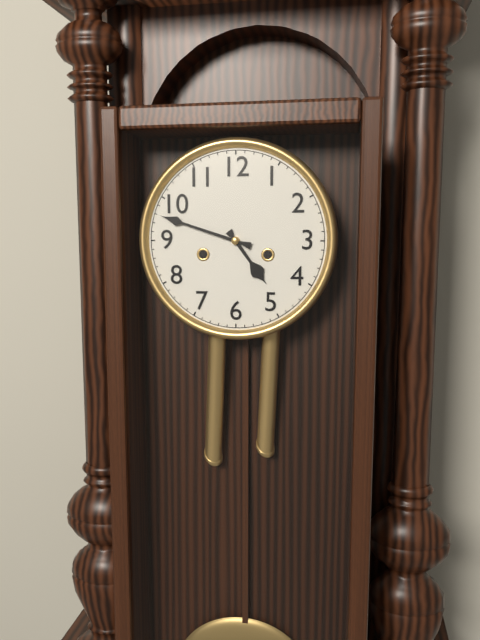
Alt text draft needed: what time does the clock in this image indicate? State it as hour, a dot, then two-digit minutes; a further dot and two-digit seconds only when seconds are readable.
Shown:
4.48
